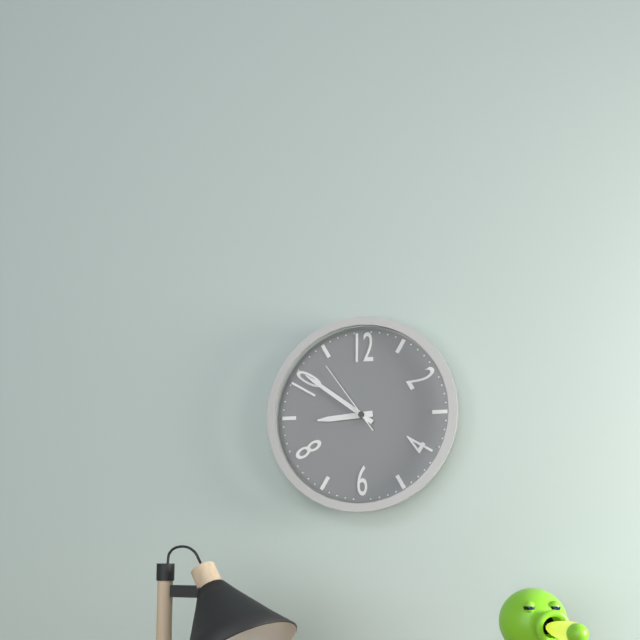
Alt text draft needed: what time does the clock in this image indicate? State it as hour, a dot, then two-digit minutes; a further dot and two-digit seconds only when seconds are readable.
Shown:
8.51.54
